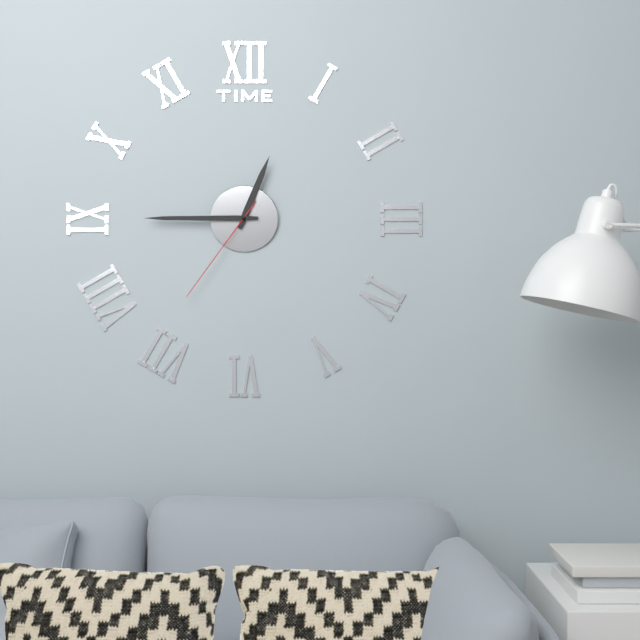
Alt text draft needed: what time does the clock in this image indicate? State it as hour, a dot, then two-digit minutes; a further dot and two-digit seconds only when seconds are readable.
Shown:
12.45.36
